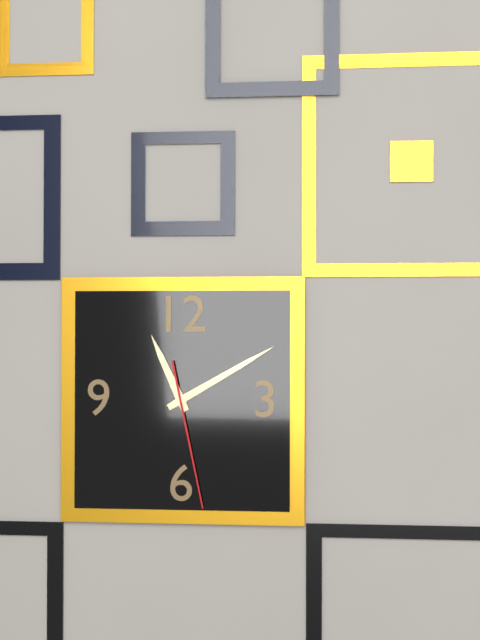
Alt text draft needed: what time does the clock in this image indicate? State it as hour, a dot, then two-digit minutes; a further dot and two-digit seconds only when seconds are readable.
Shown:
11.10.28
